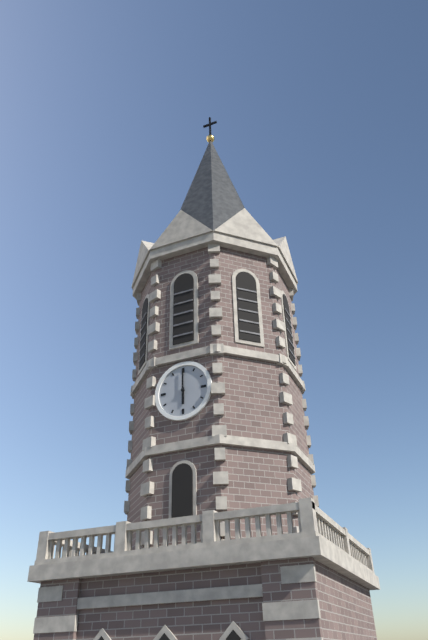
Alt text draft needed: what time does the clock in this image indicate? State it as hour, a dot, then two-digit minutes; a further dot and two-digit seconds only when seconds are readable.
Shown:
6.00
